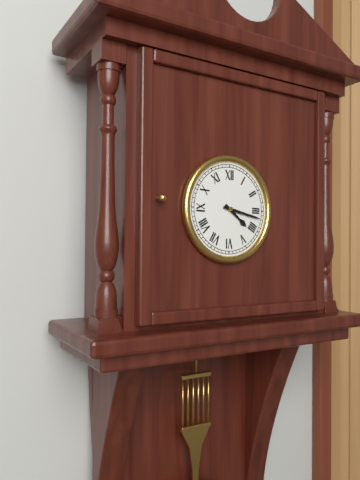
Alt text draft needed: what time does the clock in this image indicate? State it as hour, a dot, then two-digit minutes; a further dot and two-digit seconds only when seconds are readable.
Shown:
4.17
